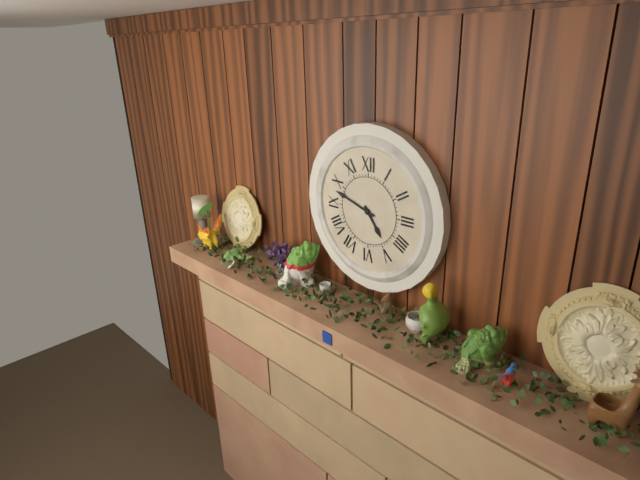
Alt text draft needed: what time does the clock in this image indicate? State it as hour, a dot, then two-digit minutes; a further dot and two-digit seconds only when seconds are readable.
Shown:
4.48
